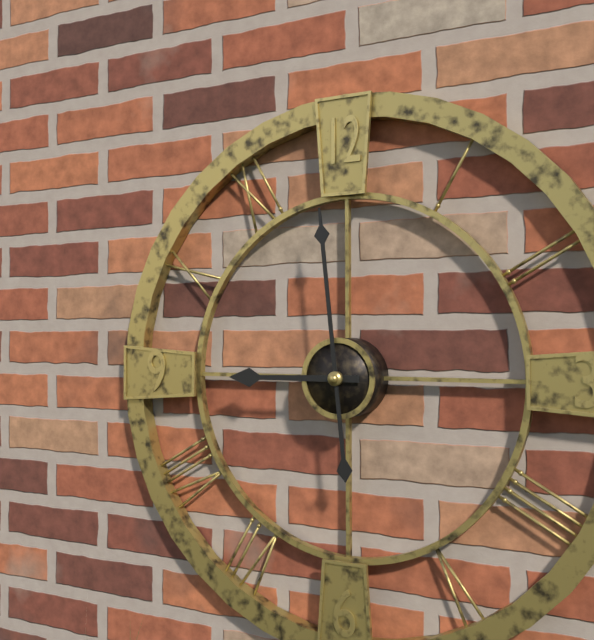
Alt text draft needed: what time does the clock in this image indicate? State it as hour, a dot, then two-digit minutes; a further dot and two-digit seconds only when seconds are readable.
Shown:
8.59
